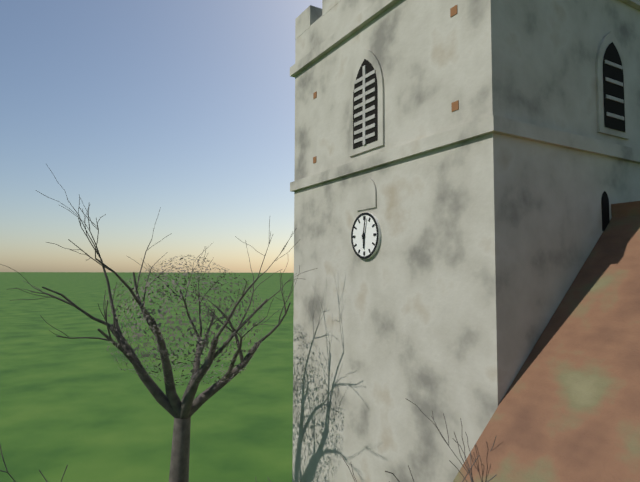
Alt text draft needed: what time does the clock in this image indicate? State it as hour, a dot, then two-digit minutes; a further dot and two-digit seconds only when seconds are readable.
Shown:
6.02
